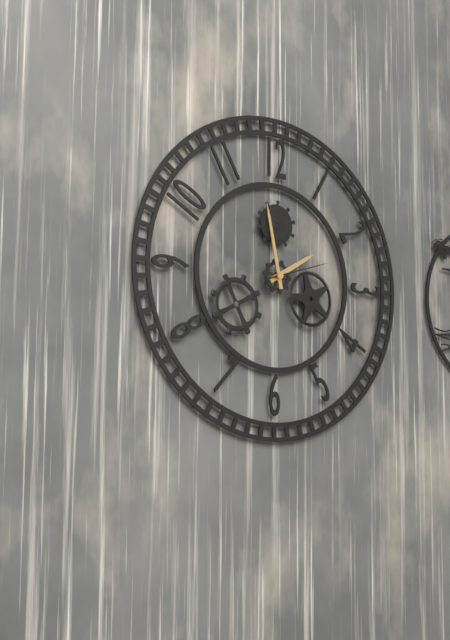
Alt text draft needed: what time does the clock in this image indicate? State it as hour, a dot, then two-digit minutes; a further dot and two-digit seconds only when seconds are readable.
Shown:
1.58.12
